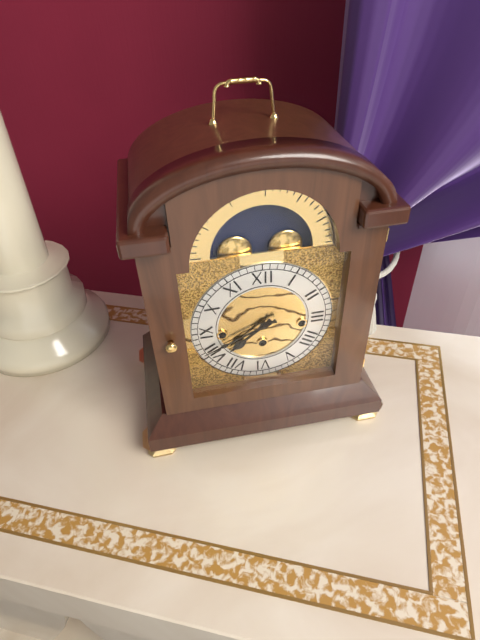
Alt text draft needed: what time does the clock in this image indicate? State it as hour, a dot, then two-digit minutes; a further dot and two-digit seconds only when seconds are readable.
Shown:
7.41
